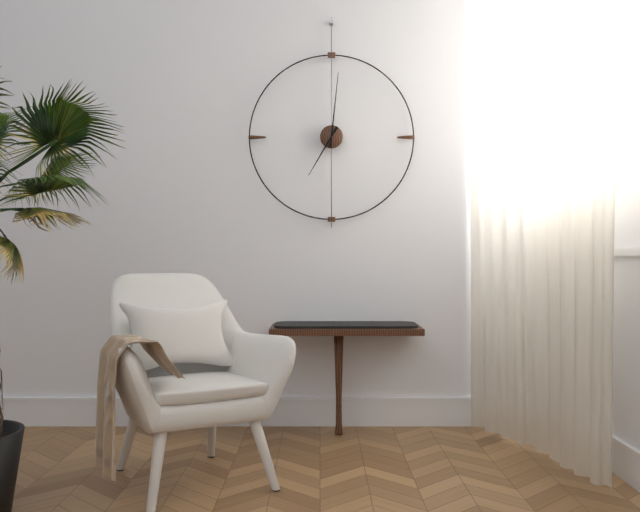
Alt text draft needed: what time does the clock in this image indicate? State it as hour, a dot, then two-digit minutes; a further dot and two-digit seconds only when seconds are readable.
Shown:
7.01
